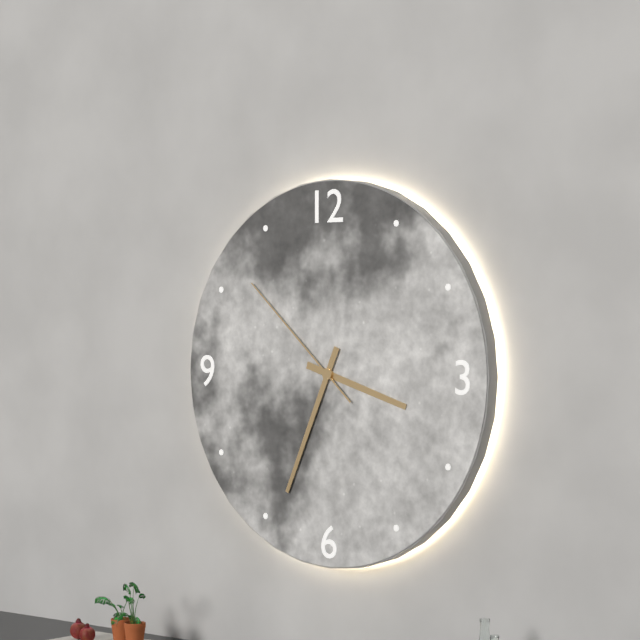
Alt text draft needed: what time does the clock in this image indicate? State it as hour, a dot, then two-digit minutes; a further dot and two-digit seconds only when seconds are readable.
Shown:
3.34.52
